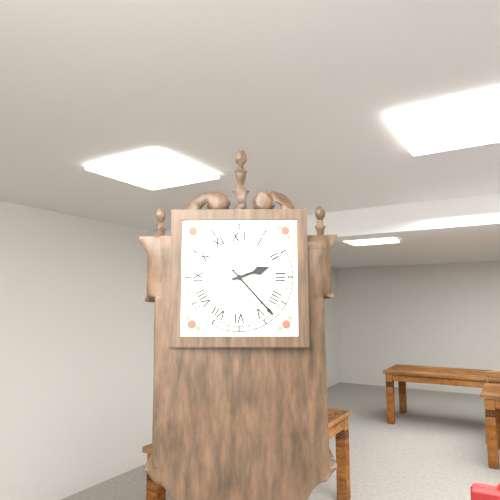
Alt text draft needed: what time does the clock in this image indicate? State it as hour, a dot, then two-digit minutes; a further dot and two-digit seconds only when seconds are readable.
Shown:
2.23
